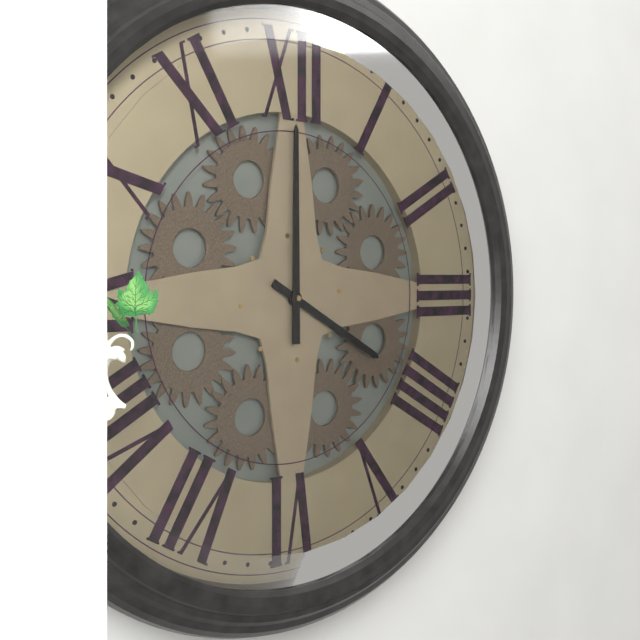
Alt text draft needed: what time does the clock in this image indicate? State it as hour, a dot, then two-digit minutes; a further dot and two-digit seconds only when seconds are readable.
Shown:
4.00
